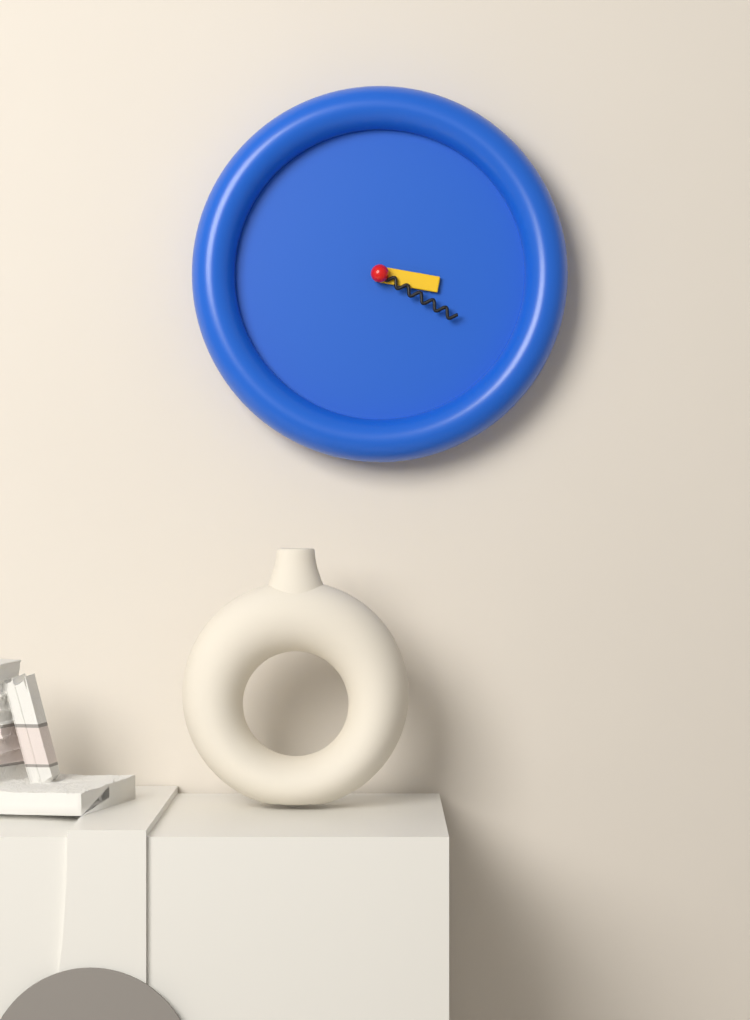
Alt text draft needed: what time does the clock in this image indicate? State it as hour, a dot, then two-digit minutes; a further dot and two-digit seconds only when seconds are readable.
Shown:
3.20
